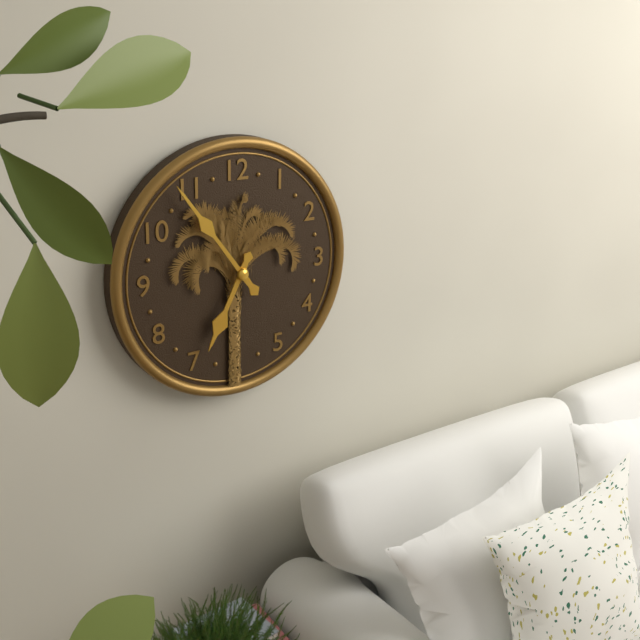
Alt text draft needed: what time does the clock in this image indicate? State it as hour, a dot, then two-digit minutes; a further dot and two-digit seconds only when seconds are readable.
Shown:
6.54
